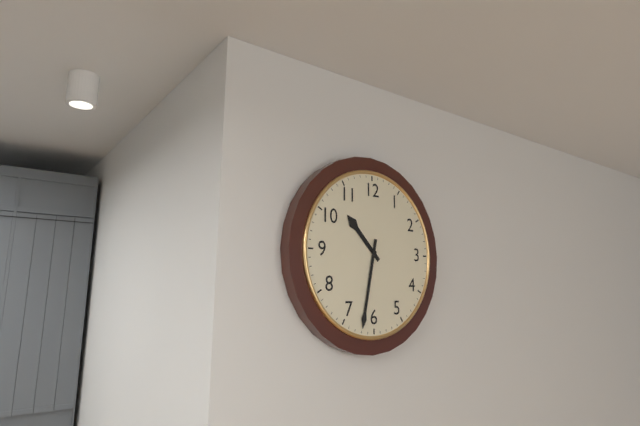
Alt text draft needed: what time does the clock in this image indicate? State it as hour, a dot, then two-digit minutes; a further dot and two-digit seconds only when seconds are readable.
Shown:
10.32
